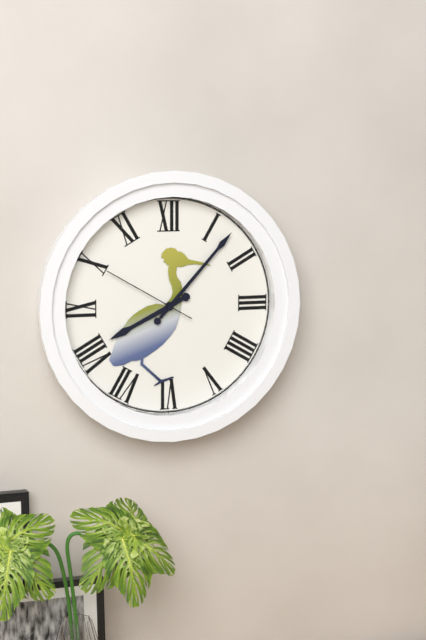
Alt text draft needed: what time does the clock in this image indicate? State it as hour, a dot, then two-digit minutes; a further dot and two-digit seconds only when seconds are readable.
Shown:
8.07.50
